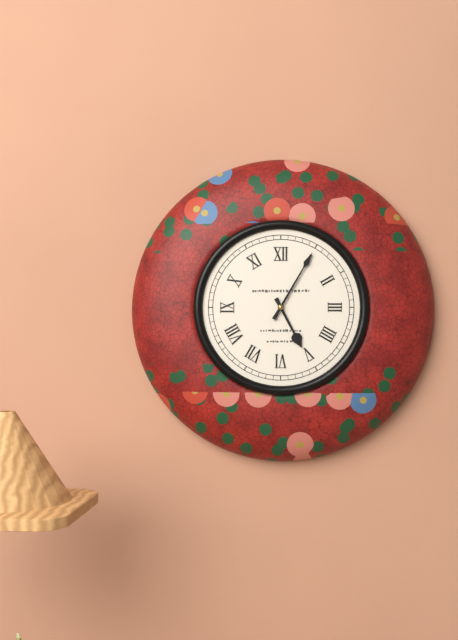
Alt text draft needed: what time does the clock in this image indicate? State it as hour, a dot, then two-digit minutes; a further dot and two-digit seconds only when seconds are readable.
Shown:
5.05
